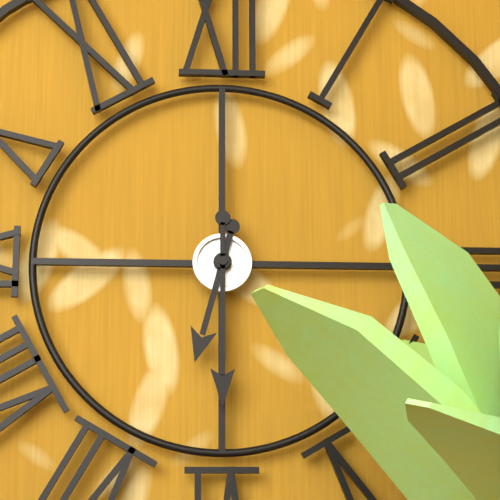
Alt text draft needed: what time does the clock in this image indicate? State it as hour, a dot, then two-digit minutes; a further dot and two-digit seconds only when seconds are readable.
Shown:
6.30
